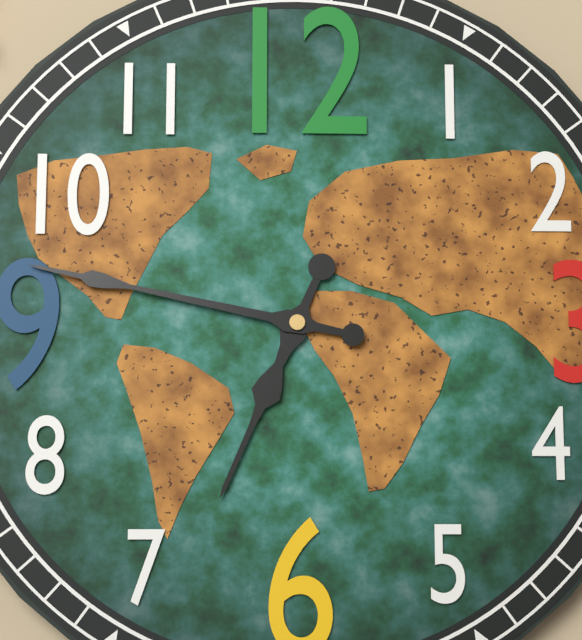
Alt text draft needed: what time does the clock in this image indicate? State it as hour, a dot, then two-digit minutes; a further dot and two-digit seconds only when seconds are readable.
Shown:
6.47
